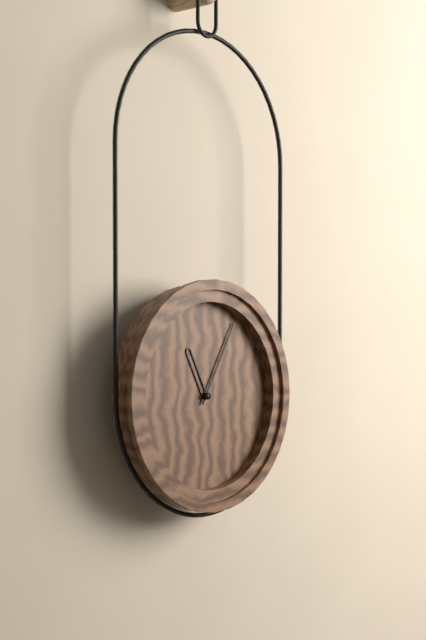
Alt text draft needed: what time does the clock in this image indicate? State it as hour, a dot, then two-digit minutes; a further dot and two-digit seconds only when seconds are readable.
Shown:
11.05
